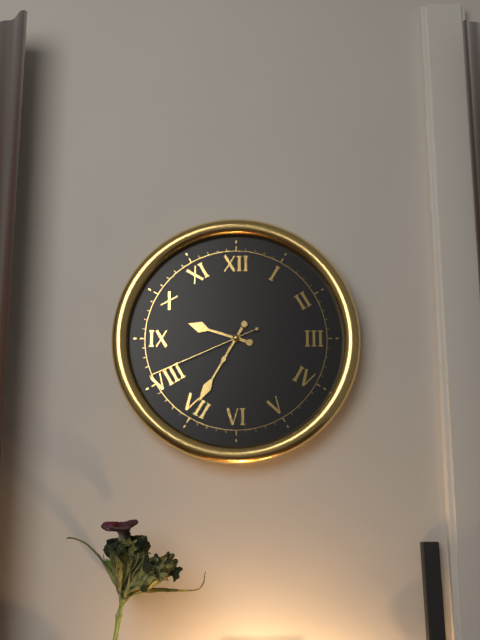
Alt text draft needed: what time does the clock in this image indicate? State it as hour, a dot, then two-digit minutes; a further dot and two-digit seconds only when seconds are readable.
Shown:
9.35.41
